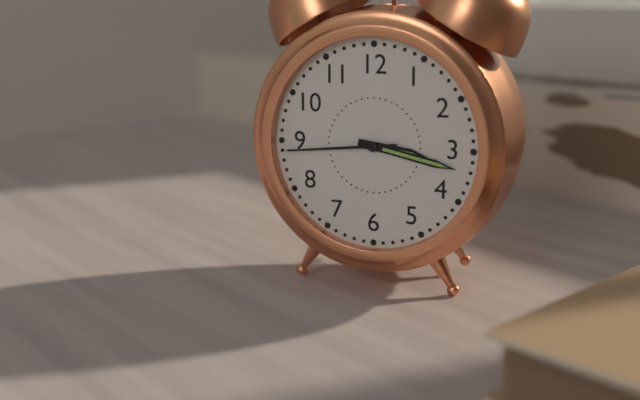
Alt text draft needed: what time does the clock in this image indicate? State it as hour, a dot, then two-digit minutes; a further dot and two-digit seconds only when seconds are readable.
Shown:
3.17.44
